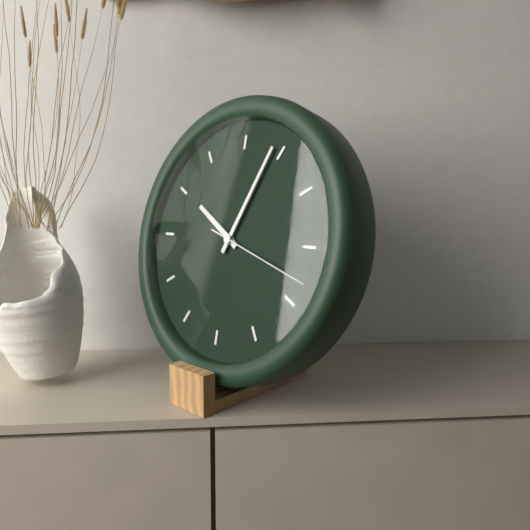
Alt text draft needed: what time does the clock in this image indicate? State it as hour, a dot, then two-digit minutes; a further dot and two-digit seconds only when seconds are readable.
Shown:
10.04.18
